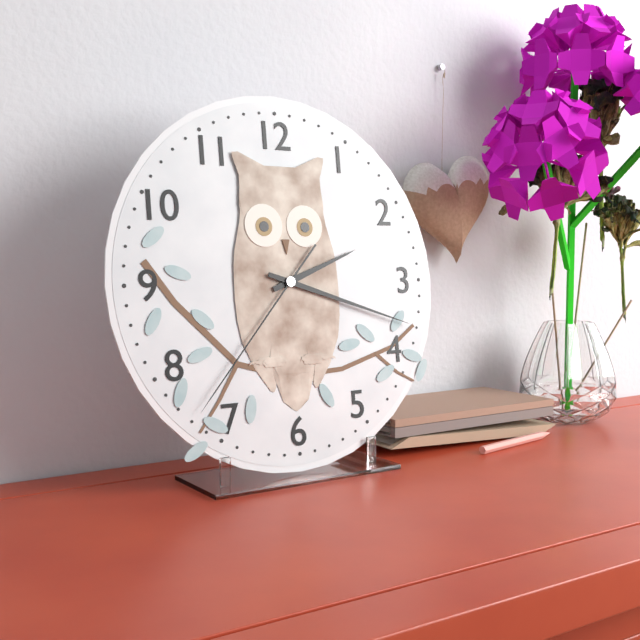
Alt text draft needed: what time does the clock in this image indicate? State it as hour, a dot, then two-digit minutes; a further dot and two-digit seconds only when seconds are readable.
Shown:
2.18.37
